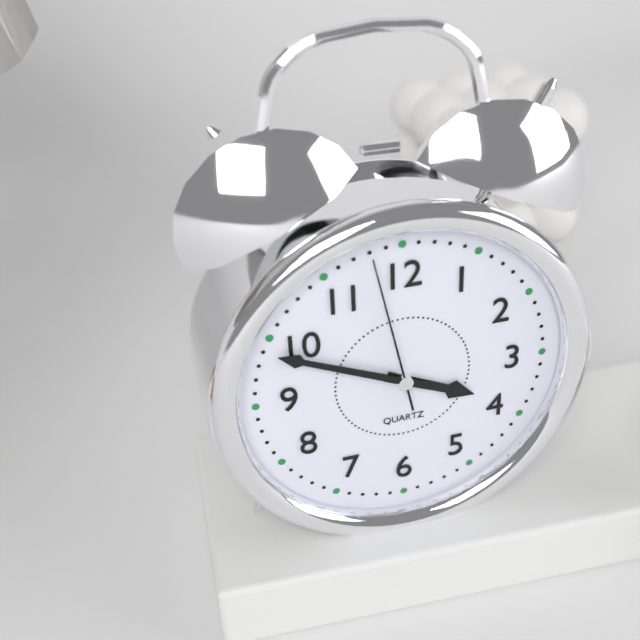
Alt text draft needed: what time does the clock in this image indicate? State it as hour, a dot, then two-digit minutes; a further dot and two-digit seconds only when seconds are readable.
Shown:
3.49.58
